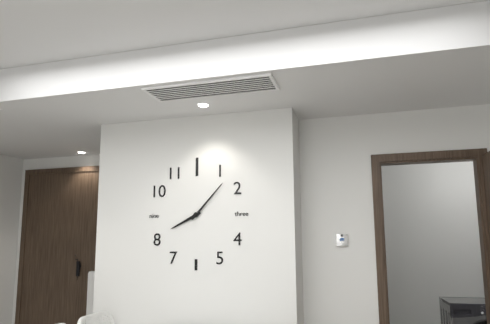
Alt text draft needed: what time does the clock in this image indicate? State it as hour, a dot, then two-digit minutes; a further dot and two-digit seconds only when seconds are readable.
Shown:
8.07
